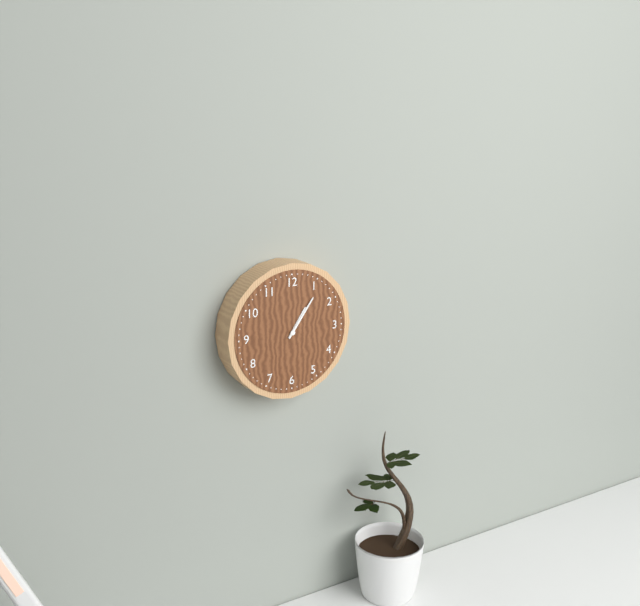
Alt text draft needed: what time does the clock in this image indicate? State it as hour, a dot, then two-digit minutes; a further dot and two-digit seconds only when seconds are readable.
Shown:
1.06
